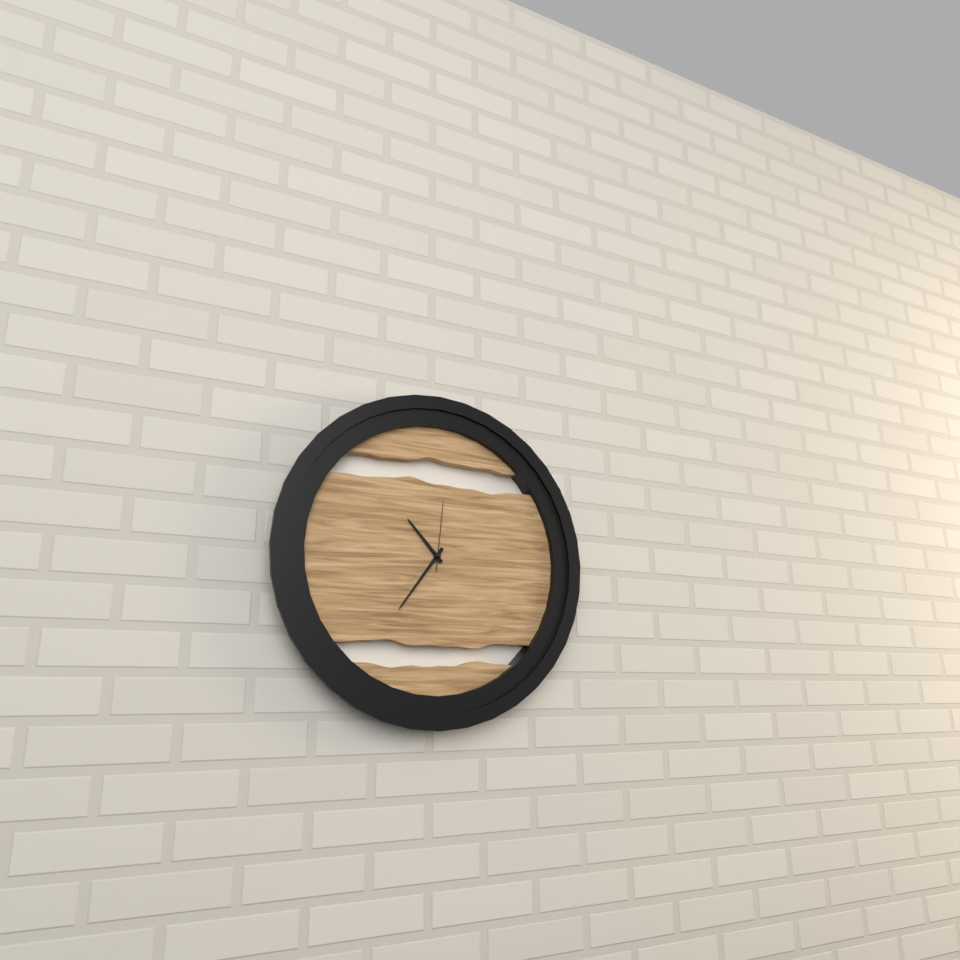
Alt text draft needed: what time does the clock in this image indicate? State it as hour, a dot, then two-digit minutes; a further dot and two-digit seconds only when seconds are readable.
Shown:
10.36.01
